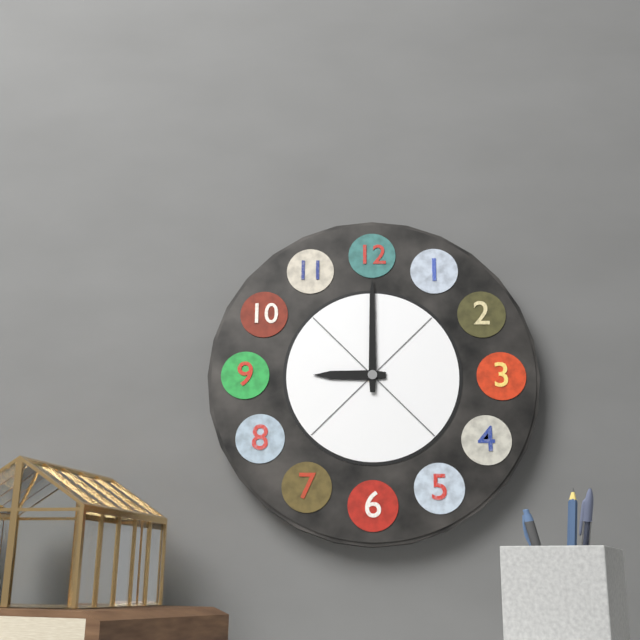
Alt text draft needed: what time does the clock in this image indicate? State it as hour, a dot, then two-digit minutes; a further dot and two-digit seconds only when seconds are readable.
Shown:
9.00
